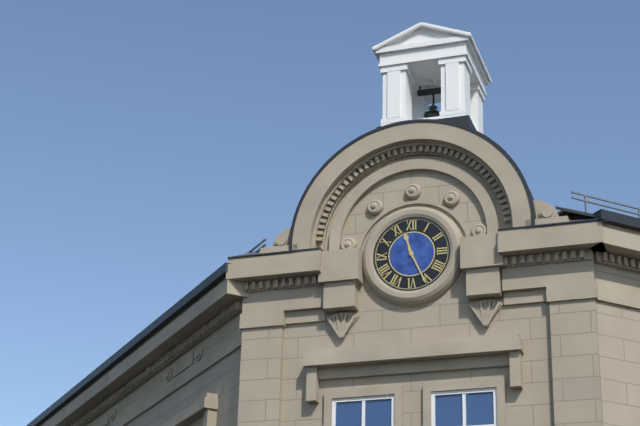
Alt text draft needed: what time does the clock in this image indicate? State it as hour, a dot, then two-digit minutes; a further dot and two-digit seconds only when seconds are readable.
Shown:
11.26
